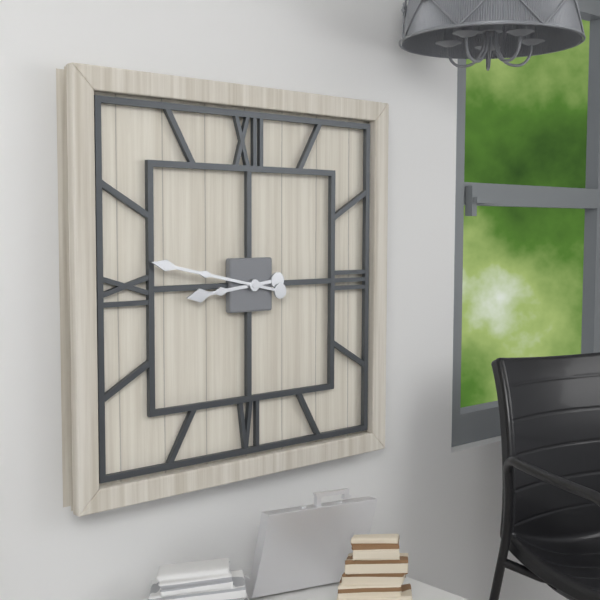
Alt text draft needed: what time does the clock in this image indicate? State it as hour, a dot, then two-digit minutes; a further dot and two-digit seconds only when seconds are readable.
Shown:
8.47
